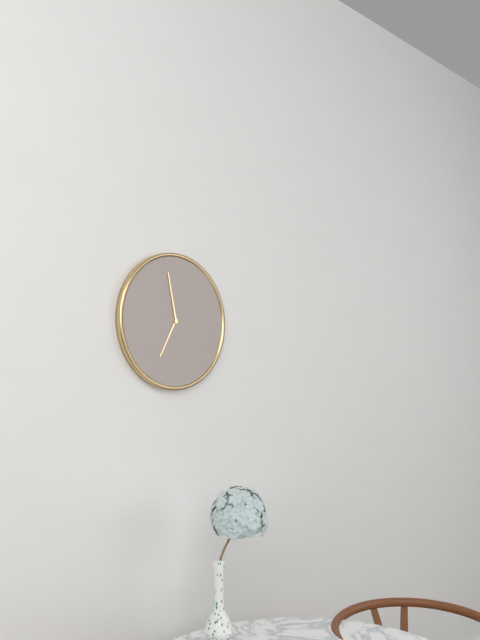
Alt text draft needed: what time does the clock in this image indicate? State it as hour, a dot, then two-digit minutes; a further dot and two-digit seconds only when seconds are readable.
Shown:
6.58
